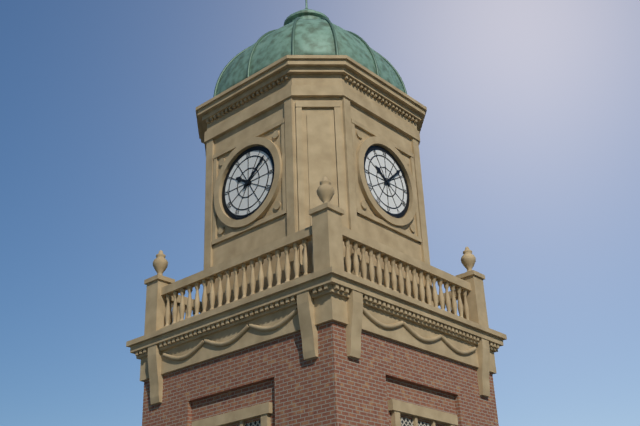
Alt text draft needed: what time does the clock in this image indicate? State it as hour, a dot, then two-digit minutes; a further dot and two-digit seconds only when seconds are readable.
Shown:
10.08
